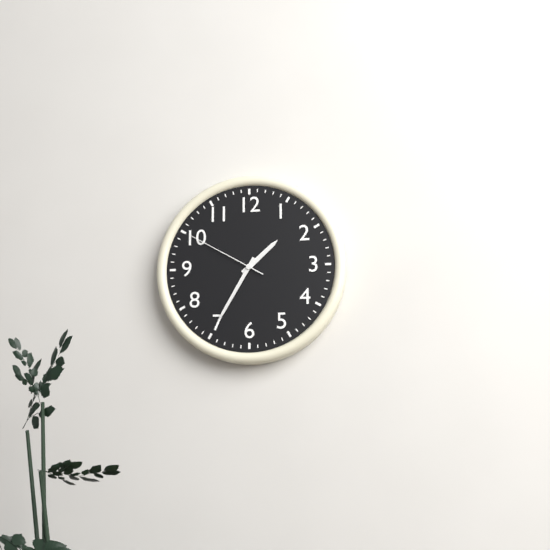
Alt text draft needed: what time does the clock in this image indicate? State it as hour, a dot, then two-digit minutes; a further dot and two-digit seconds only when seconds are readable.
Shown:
1.35.50
